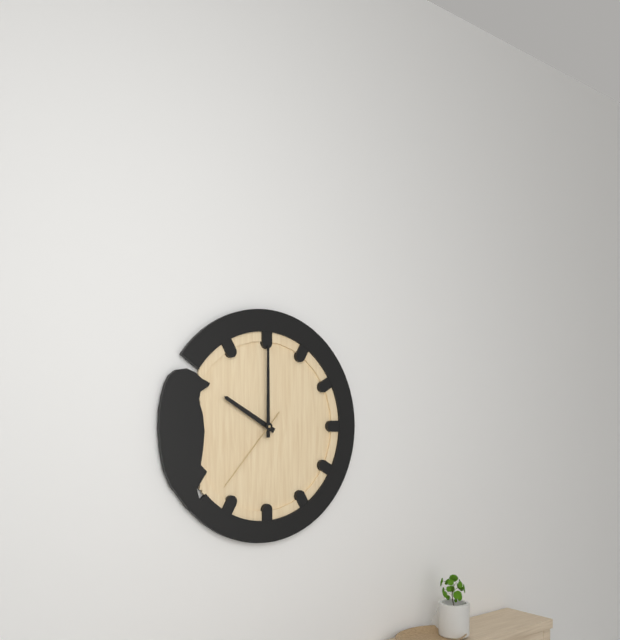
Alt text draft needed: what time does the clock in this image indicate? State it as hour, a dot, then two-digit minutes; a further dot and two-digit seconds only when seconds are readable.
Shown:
10.00.37
